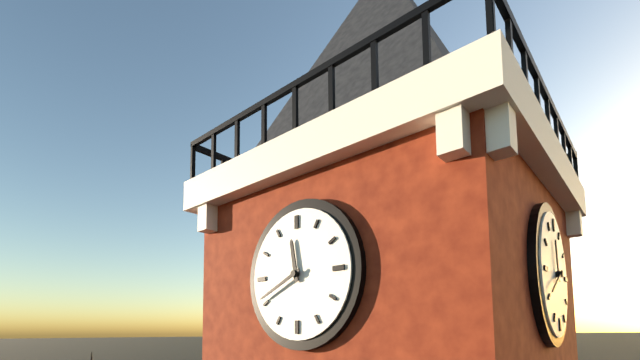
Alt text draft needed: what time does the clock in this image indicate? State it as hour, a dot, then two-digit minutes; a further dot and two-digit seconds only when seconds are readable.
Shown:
11.41
